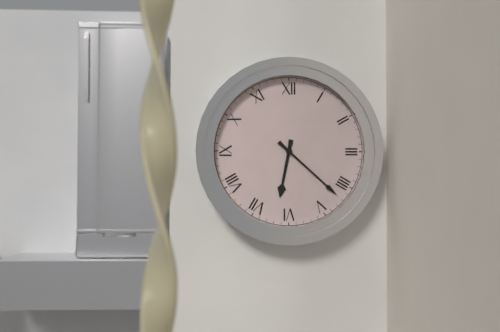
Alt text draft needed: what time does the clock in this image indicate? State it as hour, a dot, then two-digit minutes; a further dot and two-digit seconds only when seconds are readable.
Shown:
6.22
